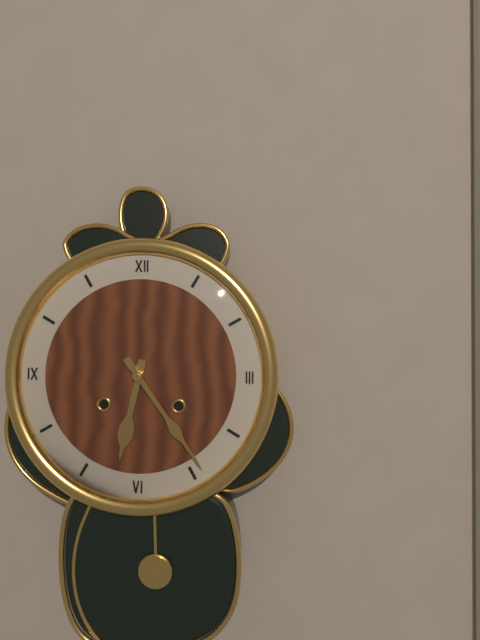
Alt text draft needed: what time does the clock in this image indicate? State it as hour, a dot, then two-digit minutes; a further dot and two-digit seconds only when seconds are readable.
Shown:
6.24
